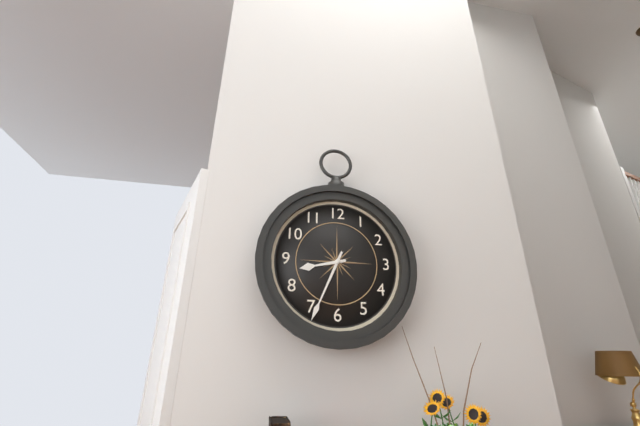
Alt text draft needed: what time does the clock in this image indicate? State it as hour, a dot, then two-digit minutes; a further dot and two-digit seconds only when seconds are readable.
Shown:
8.34
